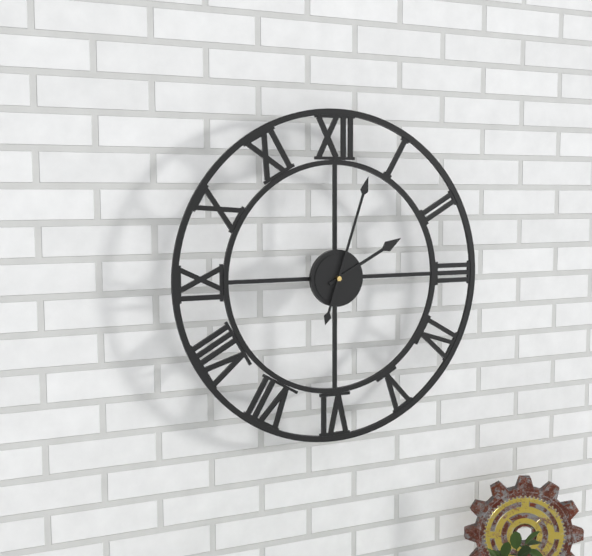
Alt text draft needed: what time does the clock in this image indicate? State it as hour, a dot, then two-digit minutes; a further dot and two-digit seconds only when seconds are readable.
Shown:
2.03
